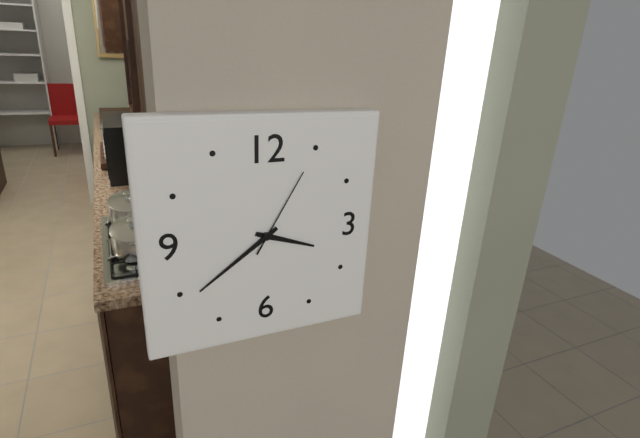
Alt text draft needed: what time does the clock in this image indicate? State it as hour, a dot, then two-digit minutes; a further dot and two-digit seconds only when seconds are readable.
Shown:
3.39.05
